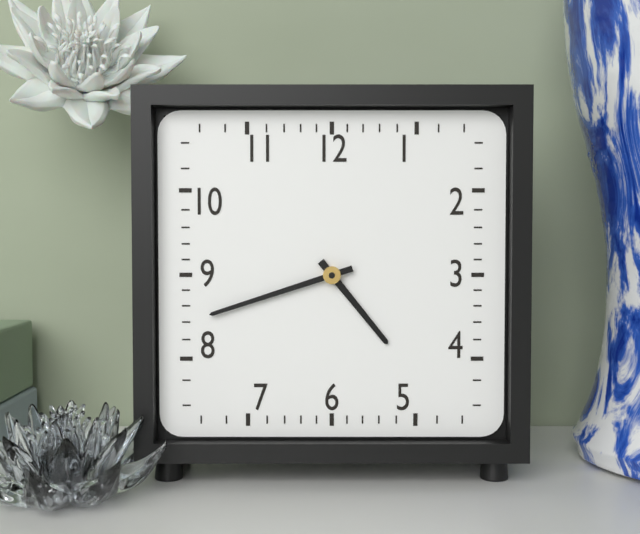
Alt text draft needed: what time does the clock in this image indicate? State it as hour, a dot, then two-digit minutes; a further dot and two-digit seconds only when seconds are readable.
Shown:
4.42
